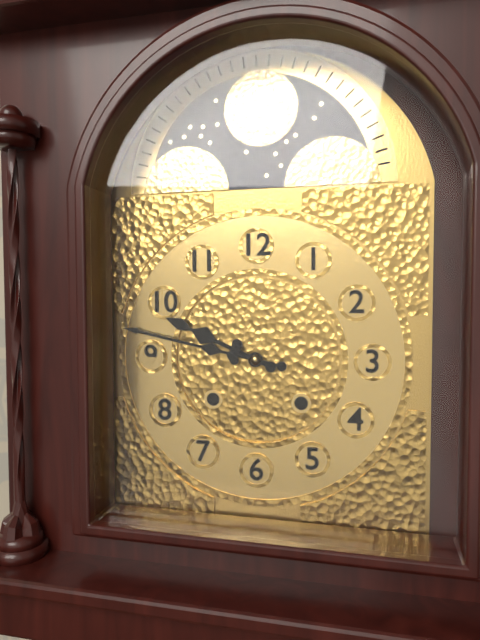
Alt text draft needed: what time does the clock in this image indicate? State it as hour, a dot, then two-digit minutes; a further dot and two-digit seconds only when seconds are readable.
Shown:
9.47
